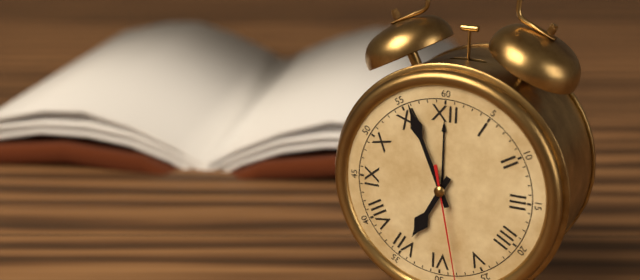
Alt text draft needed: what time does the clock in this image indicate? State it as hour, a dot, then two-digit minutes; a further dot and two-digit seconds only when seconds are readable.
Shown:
6.56
